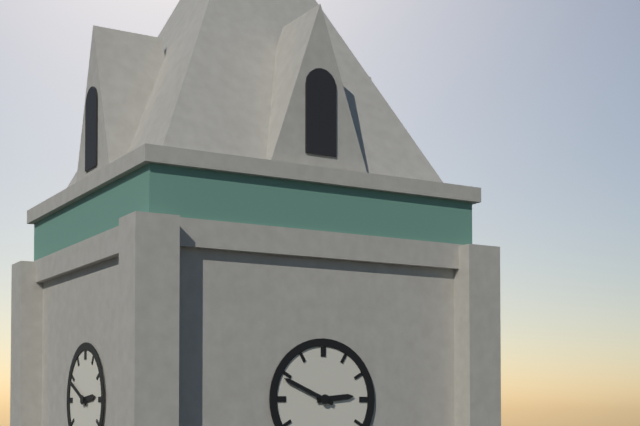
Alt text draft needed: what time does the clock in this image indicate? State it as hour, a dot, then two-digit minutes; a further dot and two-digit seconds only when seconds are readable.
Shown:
2.49
